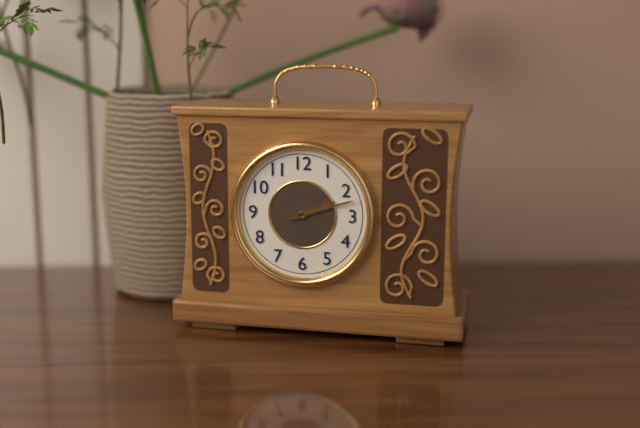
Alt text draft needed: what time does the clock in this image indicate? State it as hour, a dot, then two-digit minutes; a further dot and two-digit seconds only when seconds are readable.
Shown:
2.12
